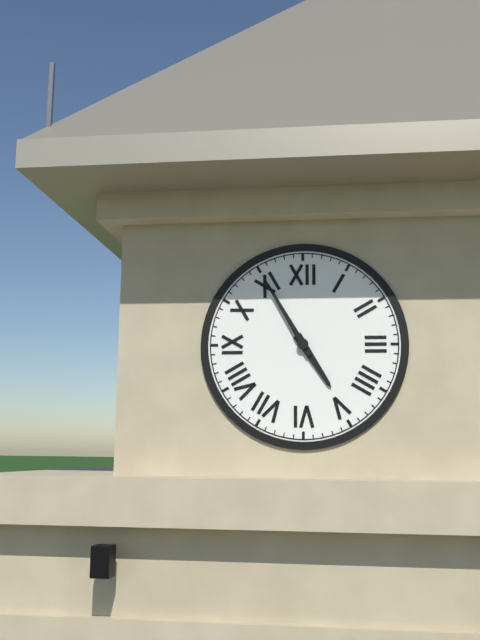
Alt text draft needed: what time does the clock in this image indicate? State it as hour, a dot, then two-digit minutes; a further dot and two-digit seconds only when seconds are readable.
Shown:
4.55
